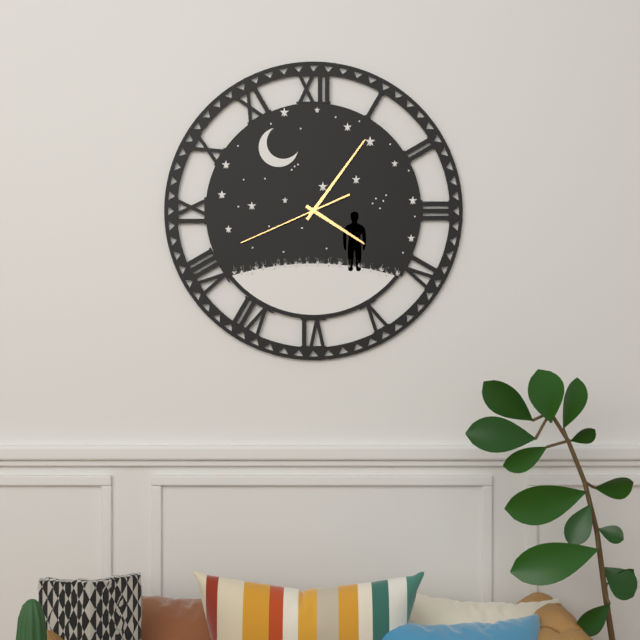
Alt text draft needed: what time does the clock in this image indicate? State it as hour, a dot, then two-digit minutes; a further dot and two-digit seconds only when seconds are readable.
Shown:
4.06.41
